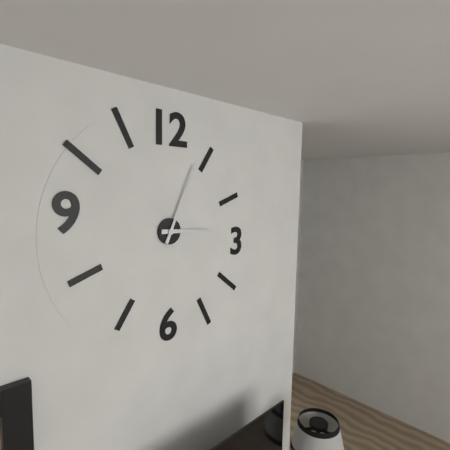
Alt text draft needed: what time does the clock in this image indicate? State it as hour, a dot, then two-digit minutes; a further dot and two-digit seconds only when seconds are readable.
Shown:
3.04
